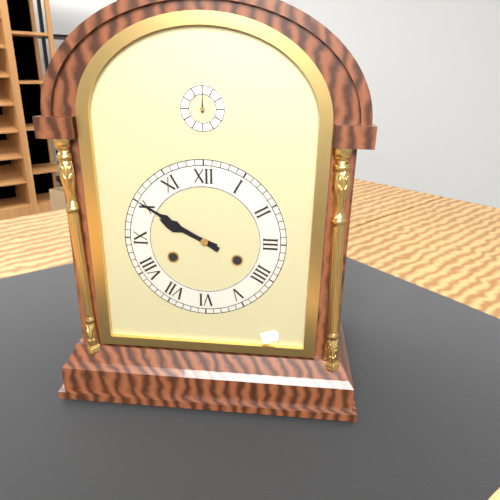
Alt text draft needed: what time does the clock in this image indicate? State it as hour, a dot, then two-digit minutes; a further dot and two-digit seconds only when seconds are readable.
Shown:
9.50
